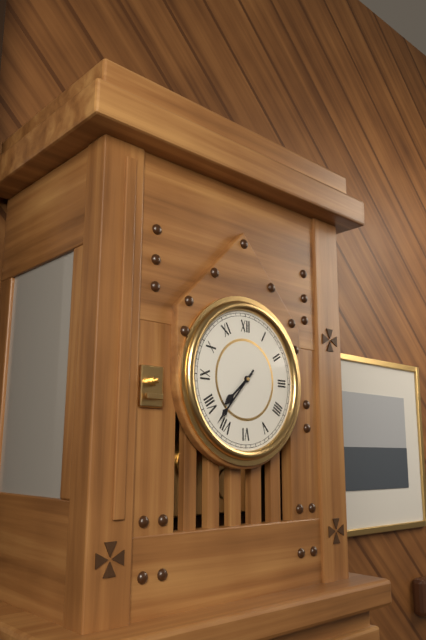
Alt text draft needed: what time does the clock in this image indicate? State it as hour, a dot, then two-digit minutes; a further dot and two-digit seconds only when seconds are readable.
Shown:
7.37
